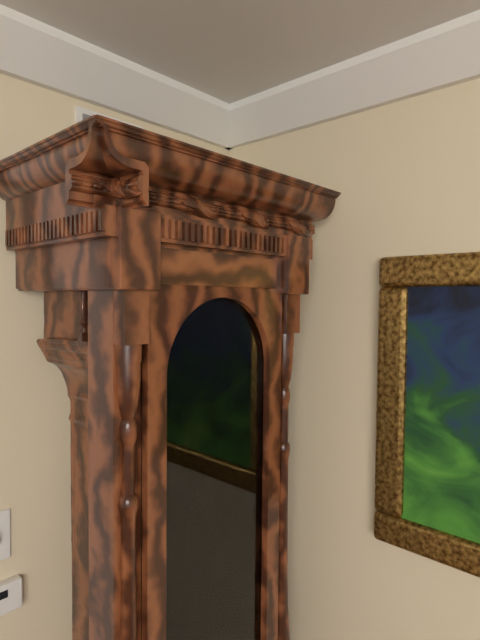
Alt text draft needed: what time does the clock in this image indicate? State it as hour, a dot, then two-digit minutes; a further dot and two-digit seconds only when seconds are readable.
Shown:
1.29
